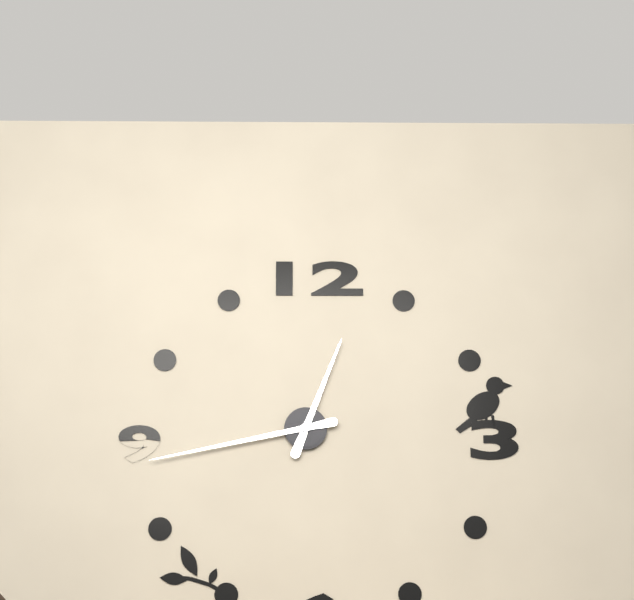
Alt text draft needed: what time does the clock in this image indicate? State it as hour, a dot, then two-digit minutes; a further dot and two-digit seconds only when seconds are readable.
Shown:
12.43
